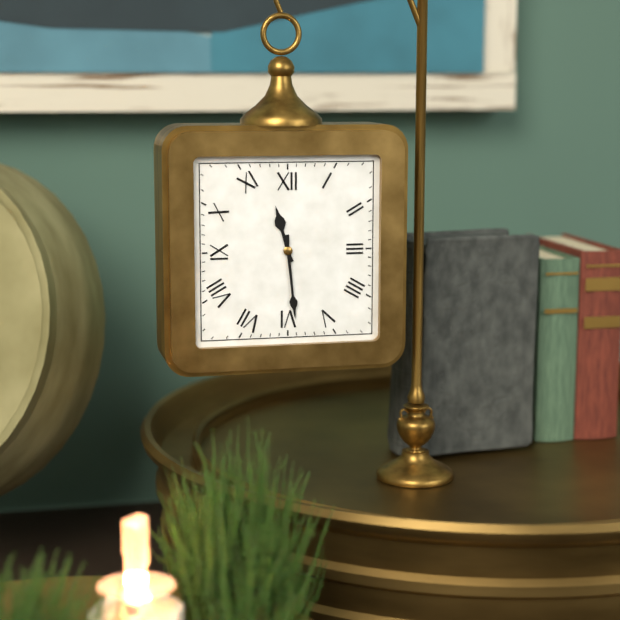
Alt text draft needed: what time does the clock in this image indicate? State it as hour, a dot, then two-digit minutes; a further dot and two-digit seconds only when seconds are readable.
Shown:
11.29
